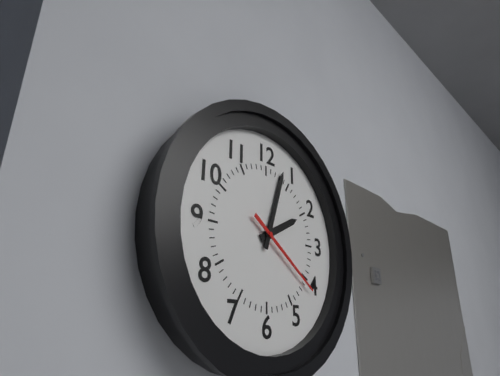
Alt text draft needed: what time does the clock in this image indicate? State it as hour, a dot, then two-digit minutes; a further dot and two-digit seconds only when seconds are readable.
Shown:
2.03.21
